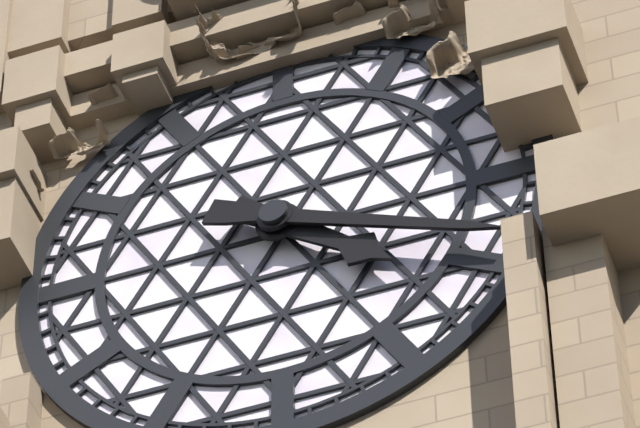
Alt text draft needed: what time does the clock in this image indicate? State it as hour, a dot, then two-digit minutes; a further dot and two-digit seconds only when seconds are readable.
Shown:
4.19
